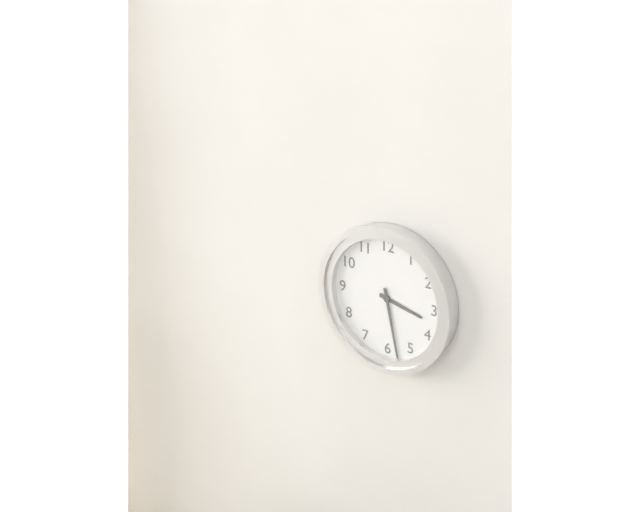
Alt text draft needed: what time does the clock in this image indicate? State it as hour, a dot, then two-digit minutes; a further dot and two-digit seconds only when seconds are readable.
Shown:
3.28
